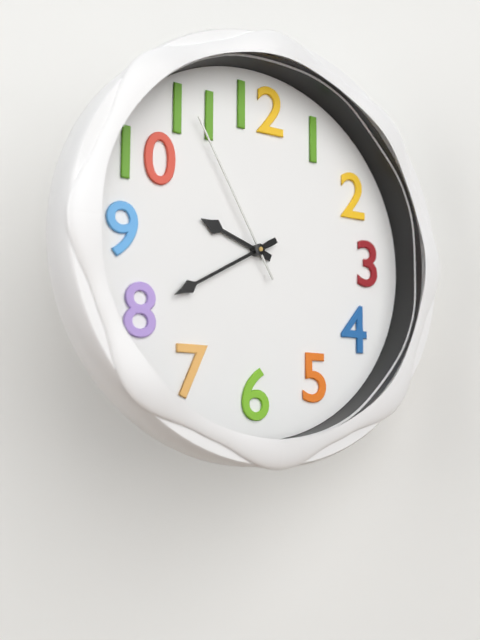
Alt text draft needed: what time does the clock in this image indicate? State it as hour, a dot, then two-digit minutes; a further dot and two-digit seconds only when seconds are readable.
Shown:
9.40.55
